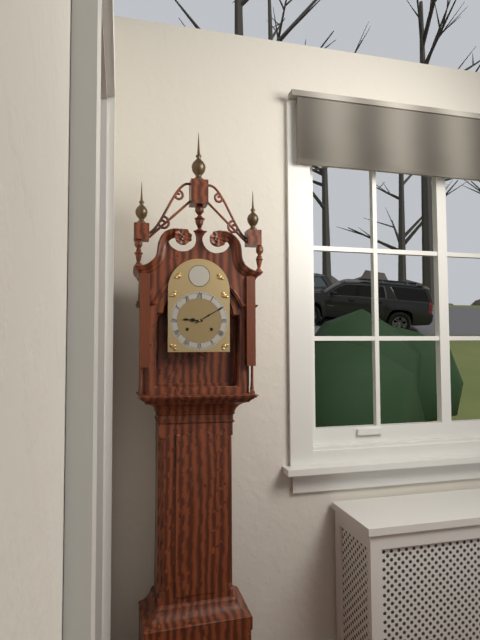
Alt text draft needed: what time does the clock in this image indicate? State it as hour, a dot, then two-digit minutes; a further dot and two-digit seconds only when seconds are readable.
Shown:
9.10
